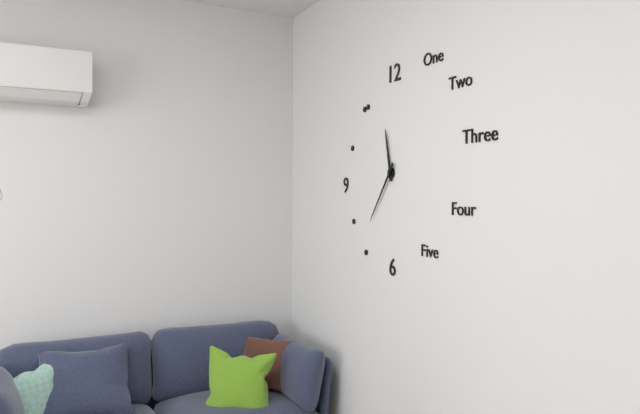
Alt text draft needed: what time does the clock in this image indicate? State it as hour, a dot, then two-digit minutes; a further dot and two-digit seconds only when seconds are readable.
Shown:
11.36
